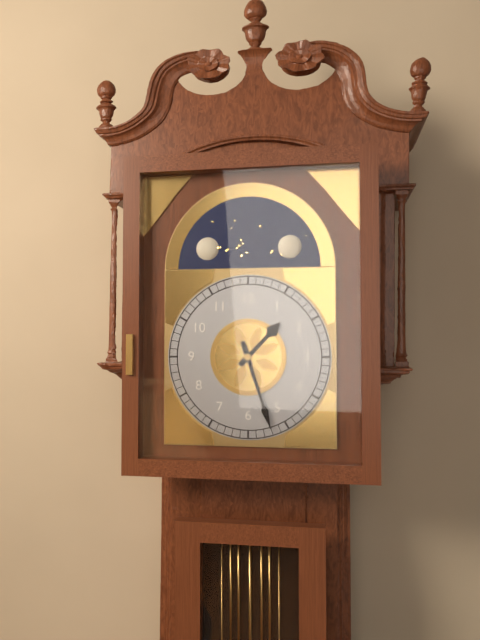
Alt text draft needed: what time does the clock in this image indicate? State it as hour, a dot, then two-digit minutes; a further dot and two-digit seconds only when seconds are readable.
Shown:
1.27
